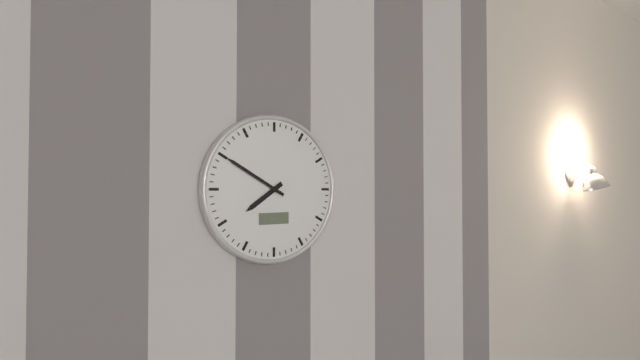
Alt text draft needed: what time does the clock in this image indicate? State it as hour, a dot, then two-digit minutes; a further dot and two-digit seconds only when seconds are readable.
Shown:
7.50
